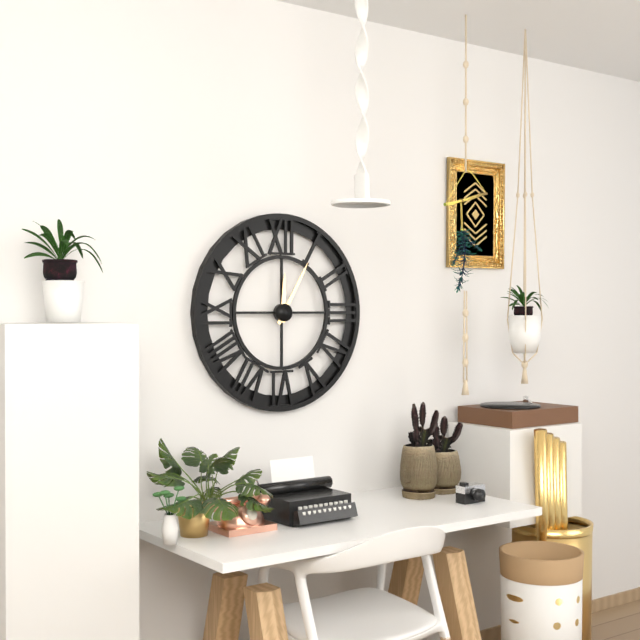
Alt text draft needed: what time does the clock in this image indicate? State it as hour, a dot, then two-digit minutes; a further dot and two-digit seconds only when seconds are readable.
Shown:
12.05
